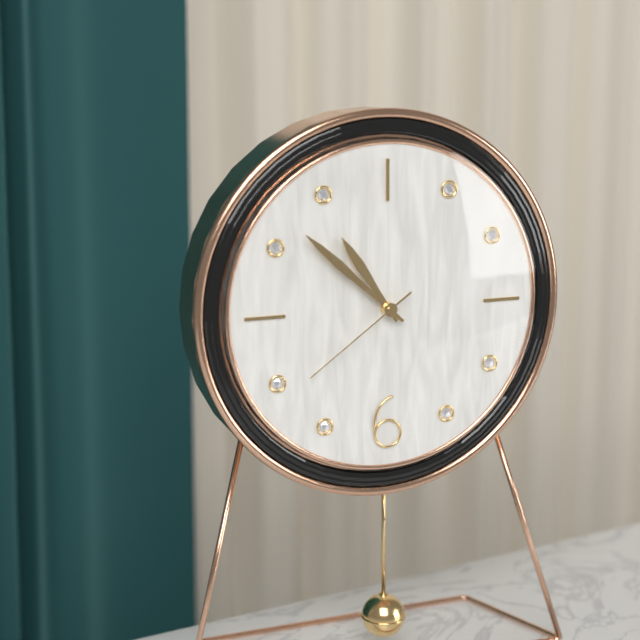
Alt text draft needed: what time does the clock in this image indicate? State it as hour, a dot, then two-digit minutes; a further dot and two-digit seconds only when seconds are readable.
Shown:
10.52.39
